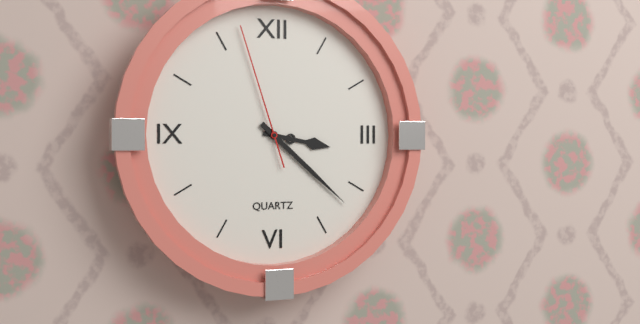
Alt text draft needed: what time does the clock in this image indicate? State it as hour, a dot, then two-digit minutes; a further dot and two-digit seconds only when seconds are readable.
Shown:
3.22.57
